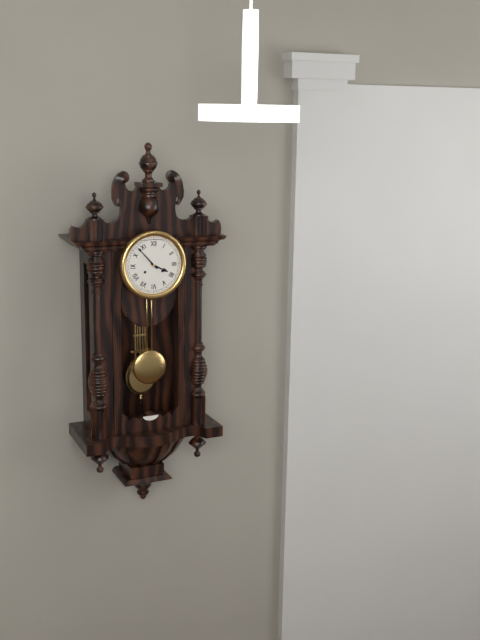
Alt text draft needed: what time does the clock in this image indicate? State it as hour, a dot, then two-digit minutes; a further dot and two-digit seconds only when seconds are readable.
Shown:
3.53
